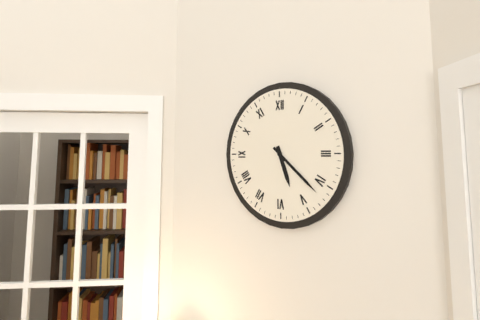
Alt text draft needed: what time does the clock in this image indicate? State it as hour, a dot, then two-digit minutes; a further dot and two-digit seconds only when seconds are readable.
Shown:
5.22
